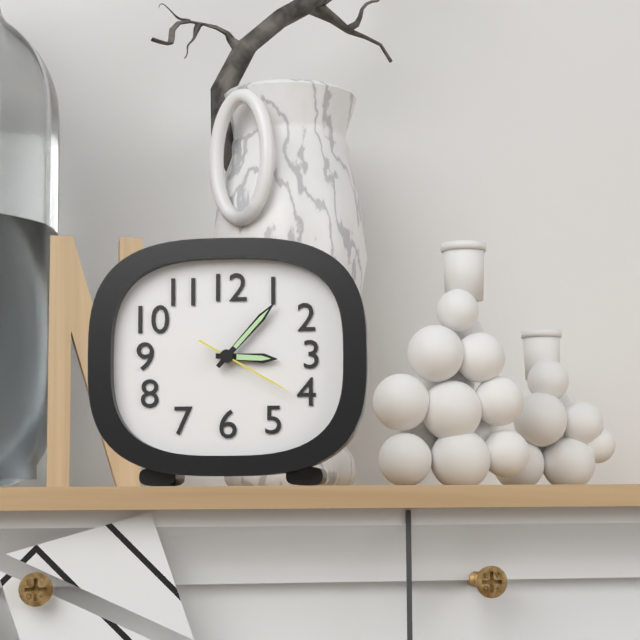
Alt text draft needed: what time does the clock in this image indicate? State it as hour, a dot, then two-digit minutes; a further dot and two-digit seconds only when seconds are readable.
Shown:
3.07.20
